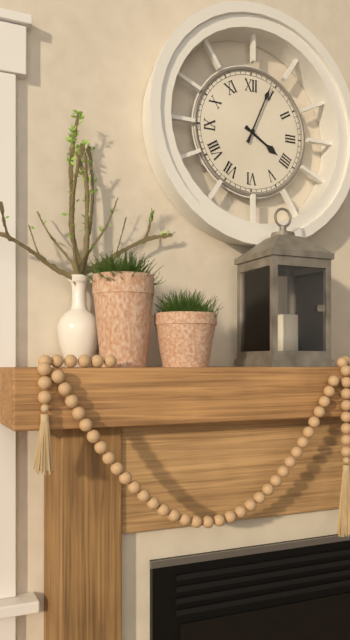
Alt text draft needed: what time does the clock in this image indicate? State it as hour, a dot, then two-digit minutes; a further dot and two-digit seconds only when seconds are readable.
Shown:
4.04
